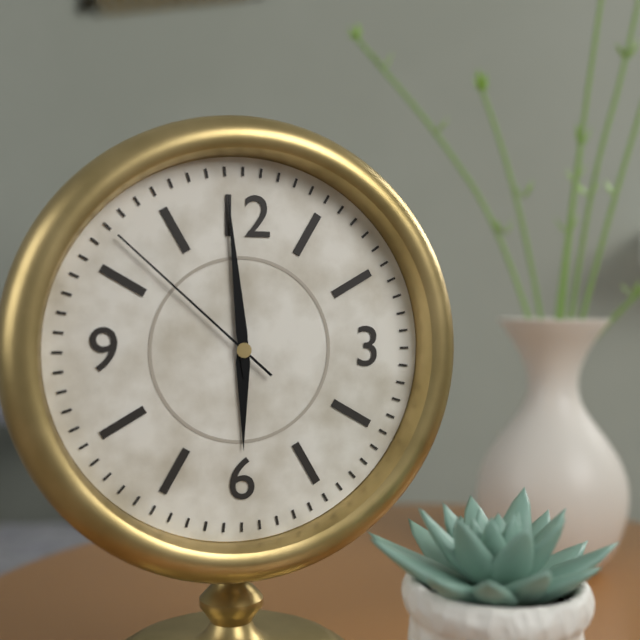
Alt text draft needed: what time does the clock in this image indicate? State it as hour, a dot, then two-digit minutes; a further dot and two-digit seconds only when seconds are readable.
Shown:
5.59.52
